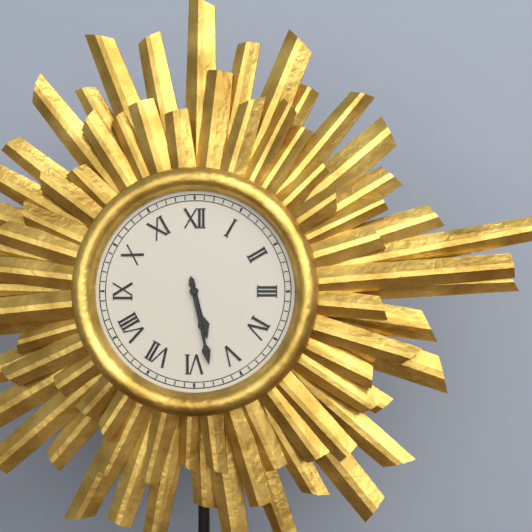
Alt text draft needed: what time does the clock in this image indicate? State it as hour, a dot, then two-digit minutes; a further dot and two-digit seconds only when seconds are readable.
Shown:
5.28
